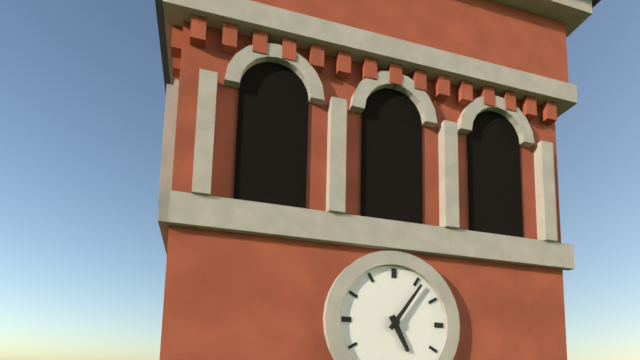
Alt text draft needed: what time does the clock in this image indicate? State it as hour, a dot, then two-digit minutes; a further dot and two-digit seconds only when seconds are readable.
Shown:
5.06
